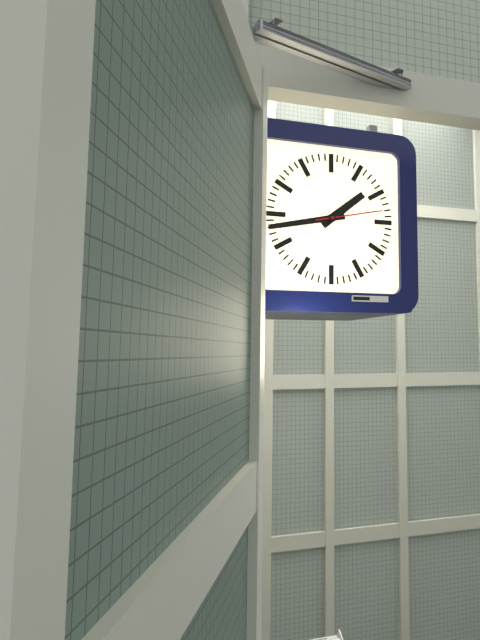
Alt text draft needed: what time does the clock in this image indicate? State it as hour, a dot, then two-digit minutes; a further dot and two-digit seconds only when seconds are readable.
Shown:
1.43.13
